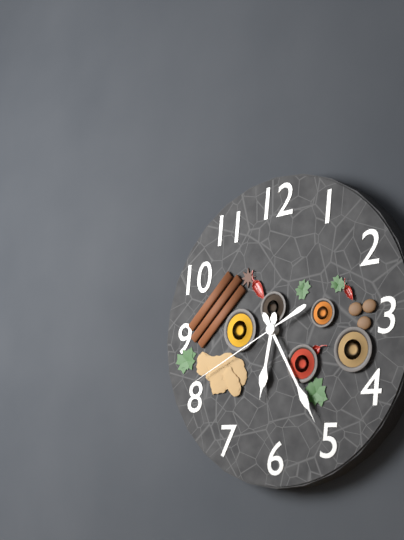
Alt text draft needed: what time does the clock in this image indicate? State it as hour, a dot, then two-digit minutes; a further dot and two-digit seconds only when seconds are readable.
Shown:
6.25.41
